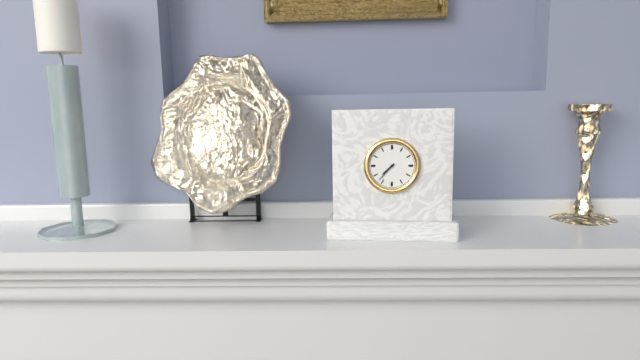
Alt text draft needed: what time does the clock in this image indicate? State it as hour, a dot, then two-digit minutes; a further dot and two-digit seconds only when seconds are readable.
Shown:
7.37
